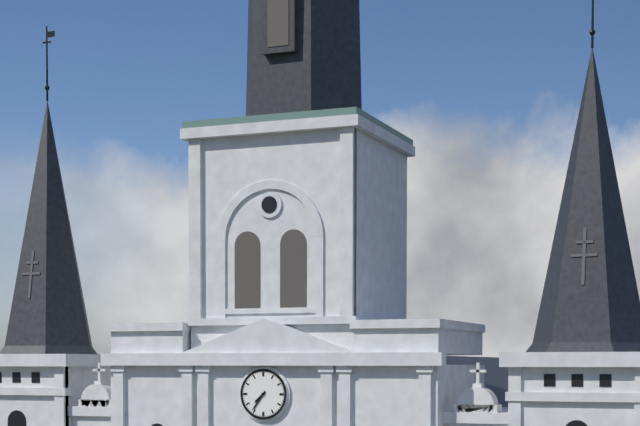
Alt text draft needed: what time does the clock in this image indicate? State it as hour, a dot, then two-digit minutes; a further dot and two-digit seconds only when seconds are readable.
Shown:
7.36
